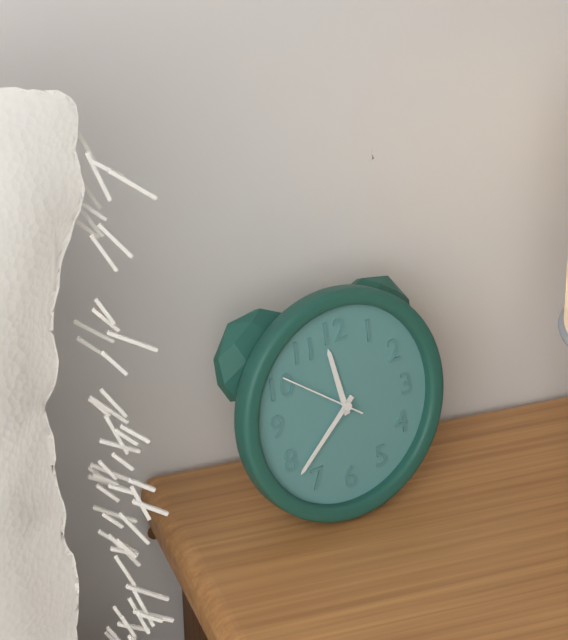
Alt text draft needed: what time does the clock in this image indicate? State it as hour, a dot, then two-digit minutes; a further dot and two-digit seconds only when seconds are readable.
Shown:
11.38.51
